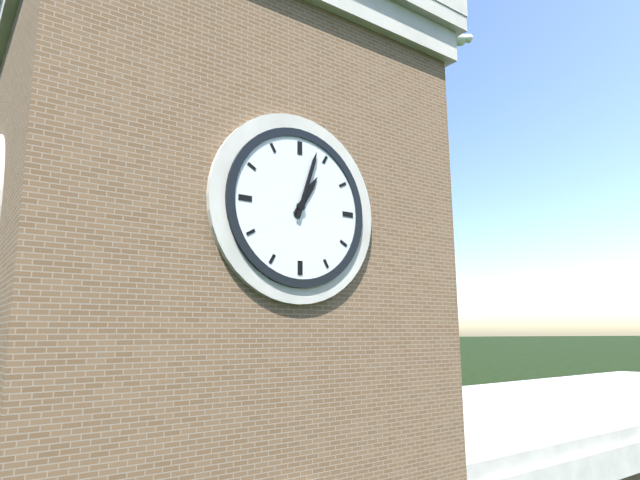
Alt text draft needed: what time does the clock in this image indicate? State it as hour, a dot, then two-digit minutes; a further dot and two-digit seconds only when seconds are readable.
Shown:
1.03
